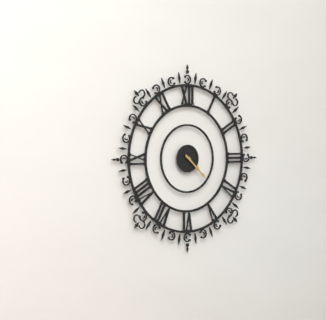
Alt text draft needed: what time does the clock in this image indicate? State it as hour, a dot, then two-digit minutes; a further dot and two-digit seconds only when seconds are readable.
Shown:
4.22
